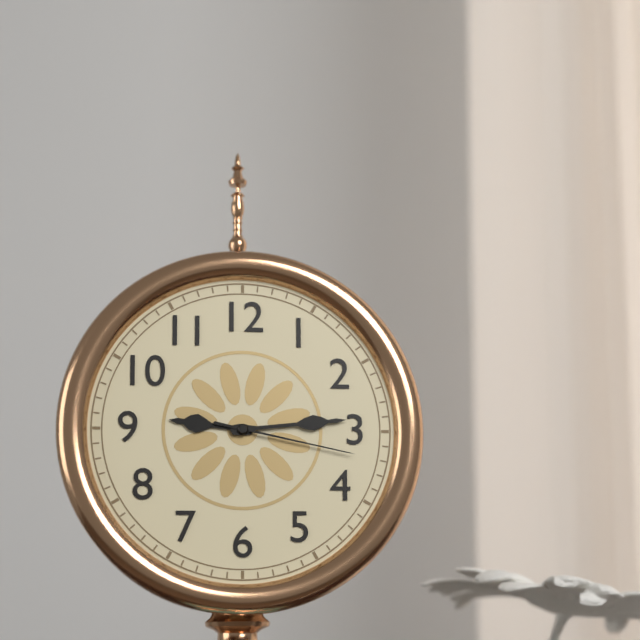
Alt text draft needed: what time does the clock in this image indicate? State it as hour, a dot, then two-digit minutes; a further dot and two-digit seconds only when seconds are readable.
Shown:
9.14.17
